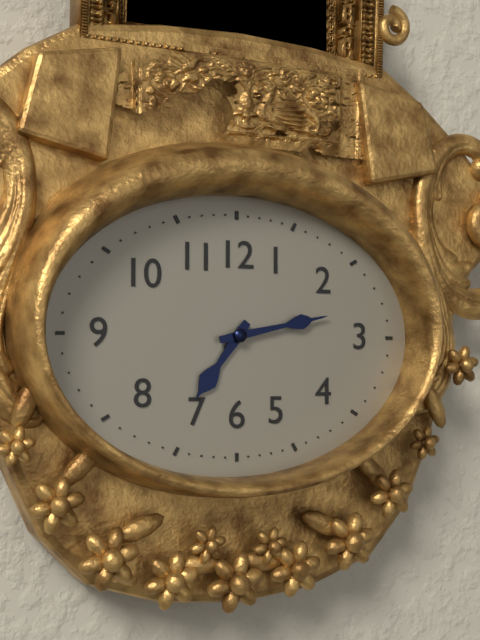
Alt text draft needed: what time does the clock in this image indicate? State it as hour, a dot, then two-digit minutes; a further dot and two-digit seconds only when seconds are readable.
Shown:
7.13
